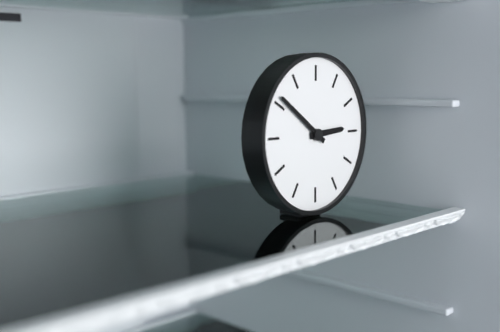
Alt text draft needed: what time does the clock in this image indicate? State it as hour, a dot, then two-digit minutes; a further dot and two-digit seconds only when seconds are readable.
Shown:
2.51
